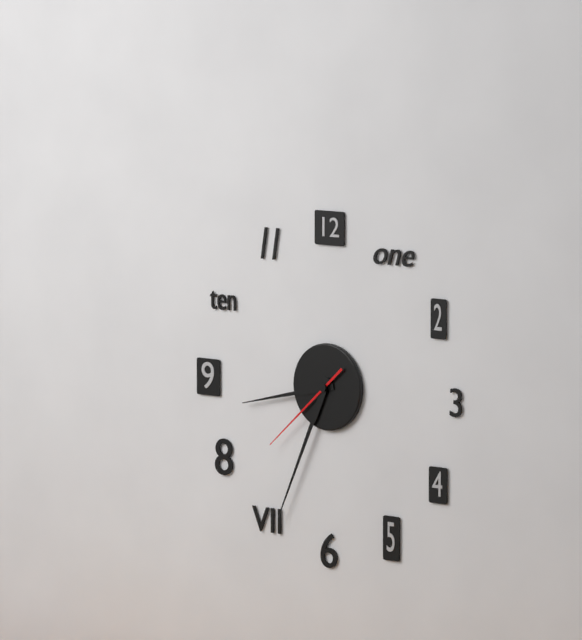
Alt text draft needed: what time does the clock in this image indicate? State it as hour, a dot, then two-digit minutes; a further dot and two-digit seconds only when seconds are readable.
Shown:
8.34.38
